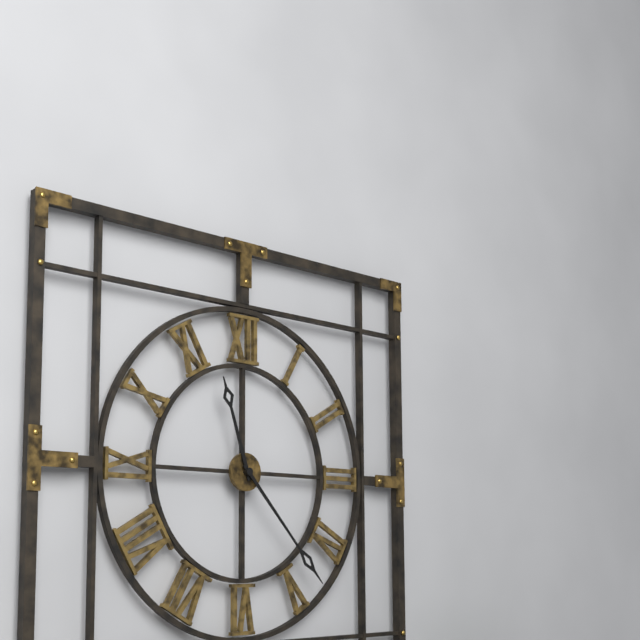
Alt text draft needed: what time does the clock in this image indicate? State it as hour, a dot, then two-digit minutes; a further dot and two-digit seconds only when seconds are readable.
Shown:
11.23
